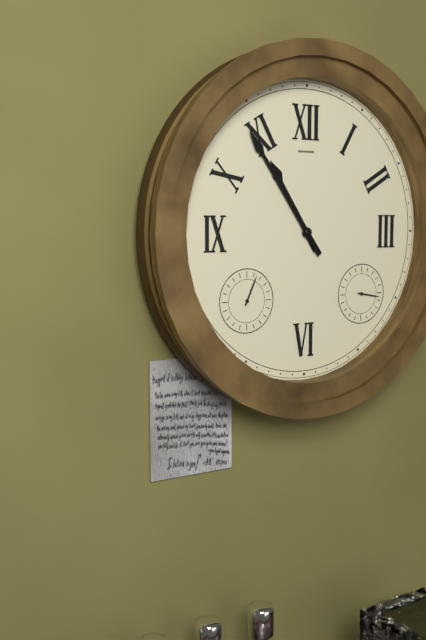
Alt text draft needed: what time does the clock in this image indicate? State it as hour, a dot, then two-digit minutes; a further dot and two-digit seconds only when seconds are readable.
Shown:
10.54
